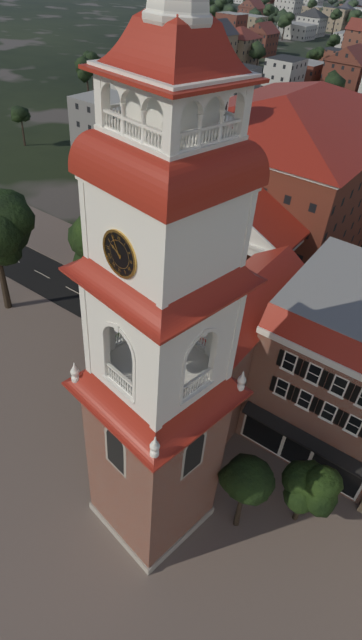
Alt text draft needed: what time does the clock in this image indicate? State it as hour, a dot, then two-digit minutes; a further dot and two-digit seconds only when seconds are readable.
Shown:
9.55
